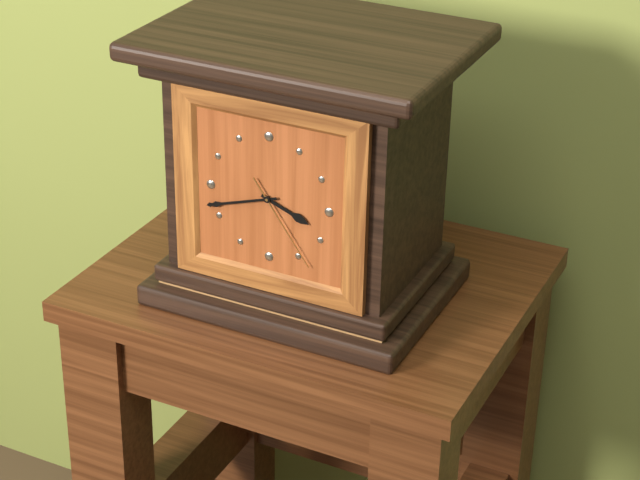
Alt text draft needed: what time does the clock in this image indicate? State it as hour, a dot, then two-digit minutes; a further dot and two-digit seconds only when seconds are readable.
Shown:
3.42.24
